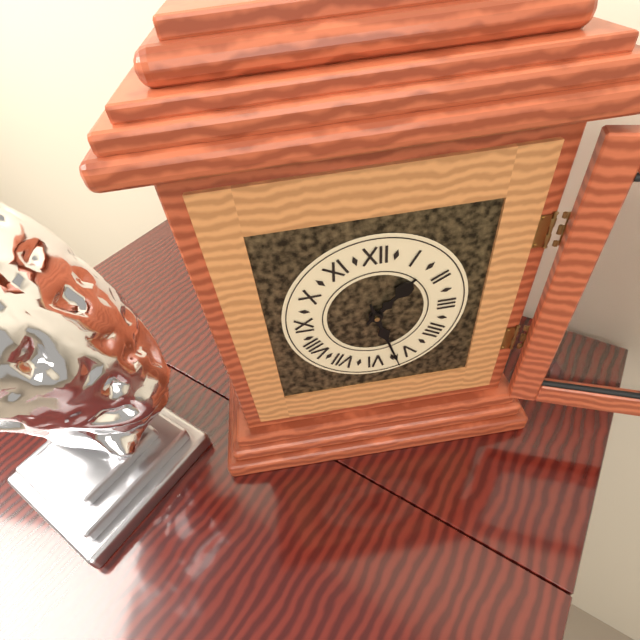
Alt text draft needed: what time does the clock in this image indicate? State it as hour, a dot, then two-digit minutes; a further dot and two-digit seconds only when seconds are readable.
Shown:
1.27
